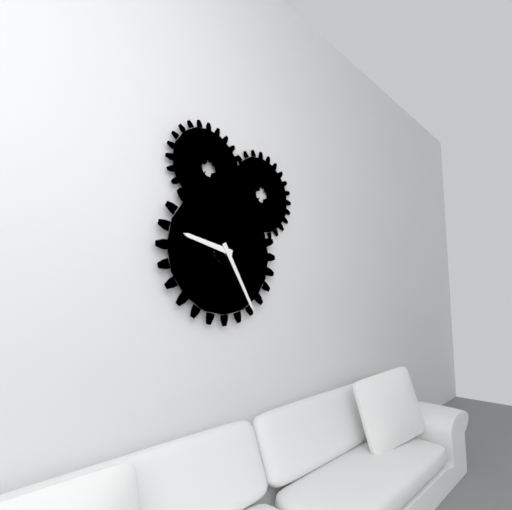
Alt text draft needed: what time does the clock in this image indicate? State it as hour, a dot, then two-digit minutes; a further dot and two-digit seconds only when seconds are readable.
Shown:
9.25
